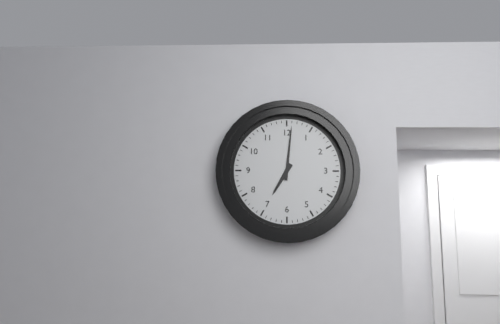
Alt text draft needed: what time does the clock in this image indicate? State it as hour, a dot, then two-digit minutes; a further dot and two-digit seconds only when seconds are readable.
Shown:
7.01
